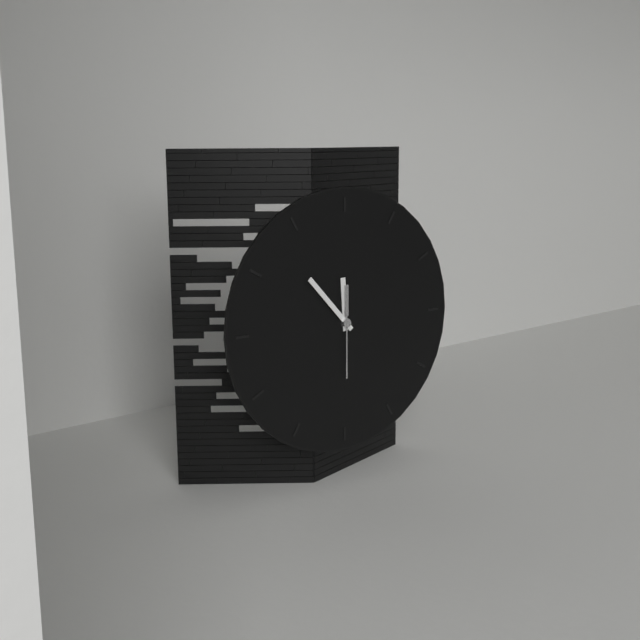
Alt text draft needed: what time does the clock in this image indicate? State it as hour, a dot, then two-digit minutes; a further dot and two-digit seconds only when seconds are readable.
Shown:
11.53.30
